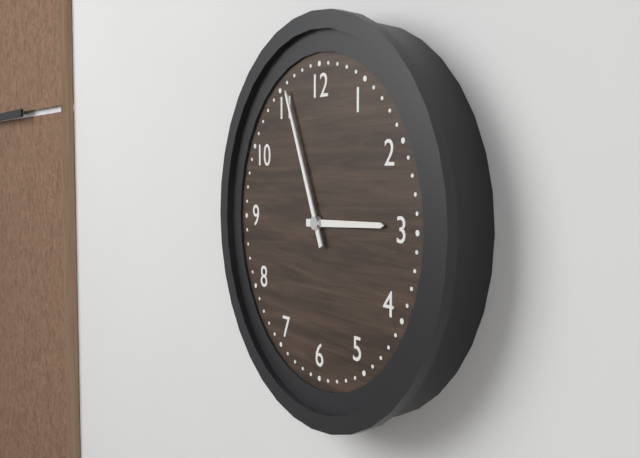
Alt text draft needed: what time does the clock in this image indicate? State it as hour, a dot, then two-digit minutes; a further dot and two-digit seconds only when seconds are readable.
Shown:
2.56
